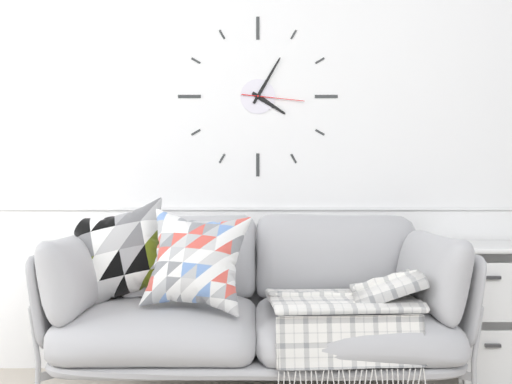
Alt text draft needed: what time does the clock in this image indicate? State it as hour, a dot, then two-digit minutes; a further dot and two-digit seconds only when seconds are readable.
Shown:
4.05.16
